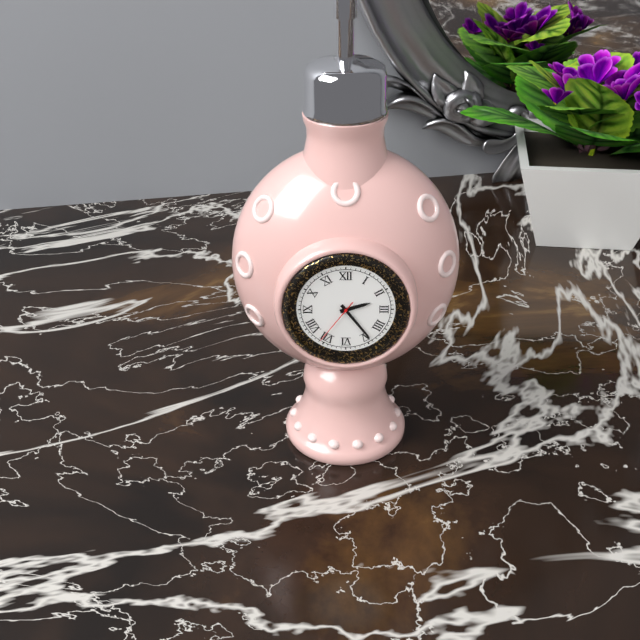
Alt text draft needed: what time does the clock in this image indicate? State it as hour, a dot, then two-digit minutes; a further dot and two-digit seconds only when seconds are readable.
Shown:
2.24.36
